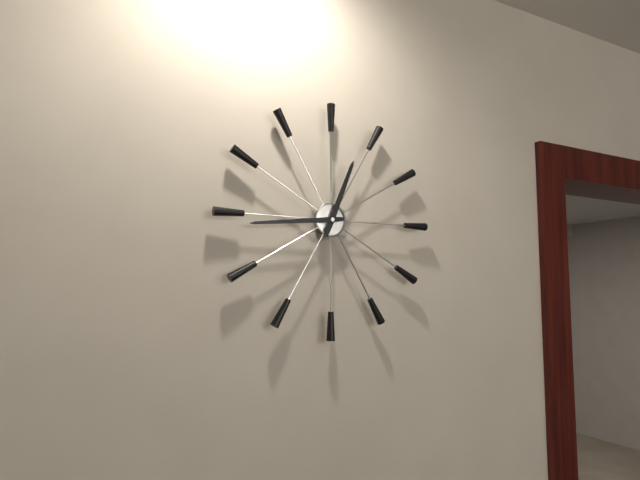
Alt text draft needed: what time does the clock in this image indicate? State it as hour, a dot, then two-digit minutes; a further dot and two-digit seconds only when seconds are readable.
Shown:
12.44
